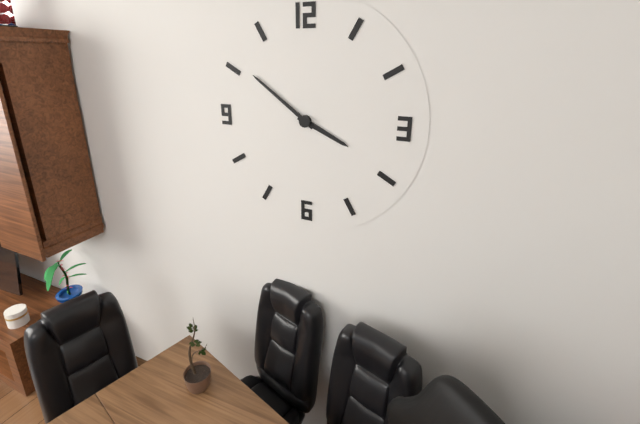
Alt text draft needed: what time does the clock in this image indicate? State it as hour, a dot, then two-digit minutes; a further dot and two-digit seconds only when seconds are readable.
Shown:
3.51
